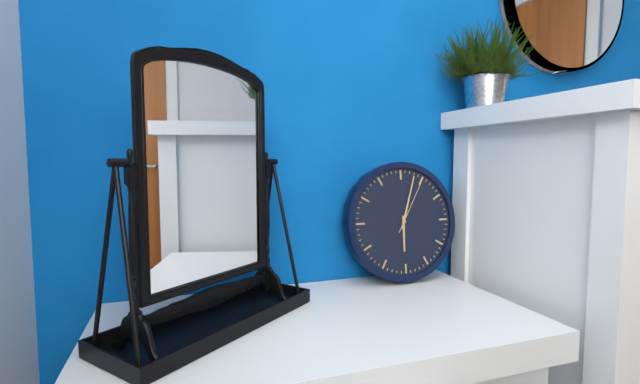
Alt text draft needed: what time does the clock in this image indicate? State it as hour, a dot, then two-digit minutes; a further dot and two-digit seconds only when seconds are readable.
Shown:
6.03.05
